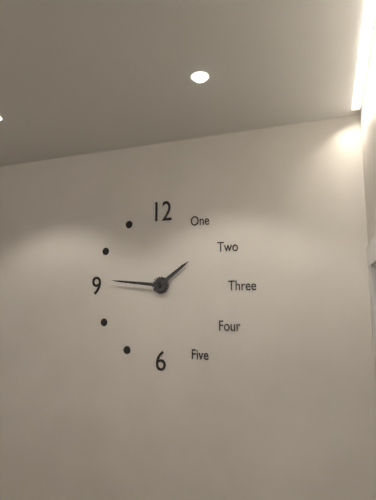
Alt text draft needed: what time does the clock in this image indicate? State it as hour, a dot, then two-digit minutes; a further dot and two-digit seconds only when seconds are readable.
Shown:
1.46
